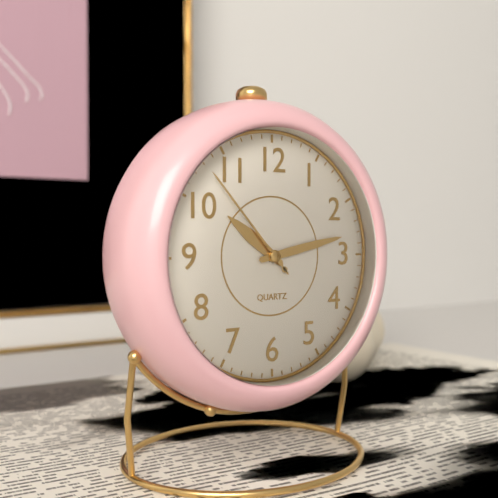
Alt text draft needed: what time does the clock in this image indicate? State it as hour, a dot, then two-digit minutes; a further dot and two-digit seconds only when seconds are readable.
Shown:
10.13.53
